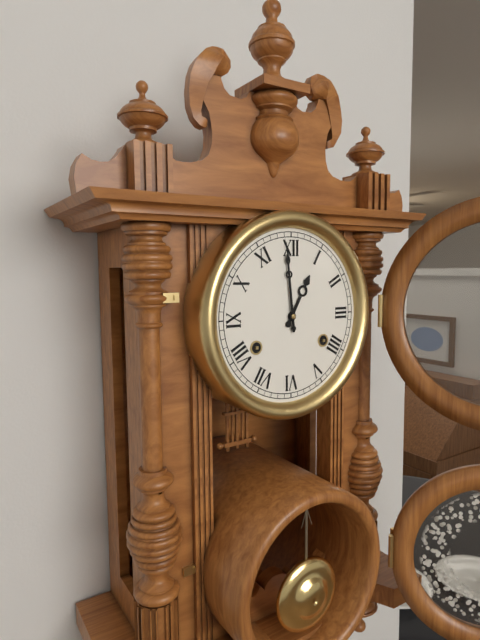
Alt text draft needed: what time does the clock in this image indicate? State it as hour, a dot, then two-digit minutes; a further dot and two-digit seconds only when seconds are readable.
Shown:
12.59
